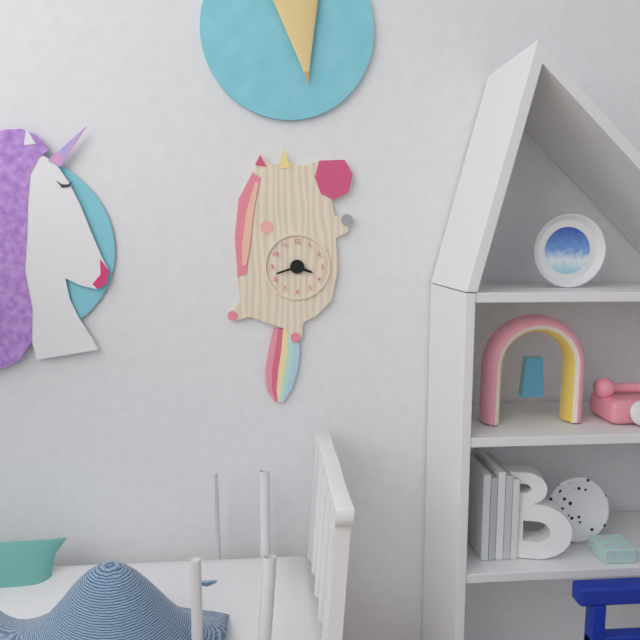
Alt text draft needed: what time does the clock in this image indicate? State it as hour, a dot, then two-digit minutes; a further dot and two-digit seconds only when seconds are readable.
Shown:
3.42
